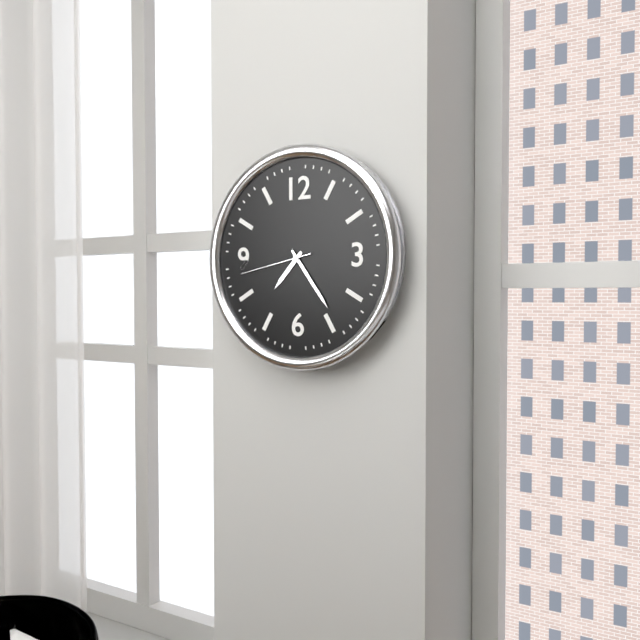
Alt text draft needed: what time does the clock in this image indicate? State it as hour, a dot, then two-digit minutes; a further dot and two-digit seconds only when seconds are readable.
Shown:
7.24.43
